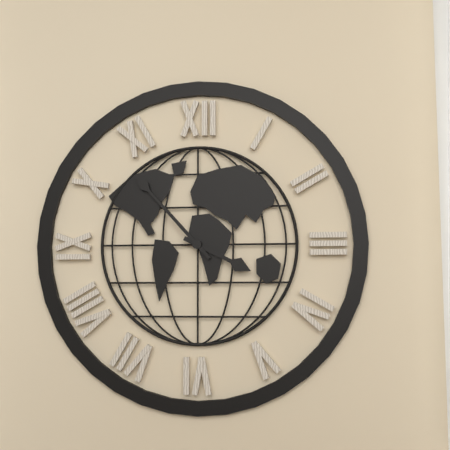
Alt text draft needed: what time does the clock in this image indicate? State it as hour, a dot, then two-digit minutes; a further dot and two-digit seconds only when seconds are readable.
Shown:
3.53
